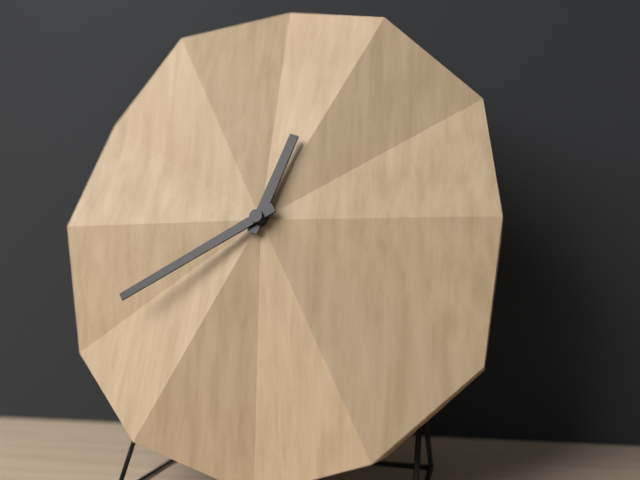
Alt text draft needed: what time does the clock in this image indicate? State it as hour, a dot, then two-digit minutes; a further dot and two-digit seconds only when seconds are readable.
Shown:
12.40
